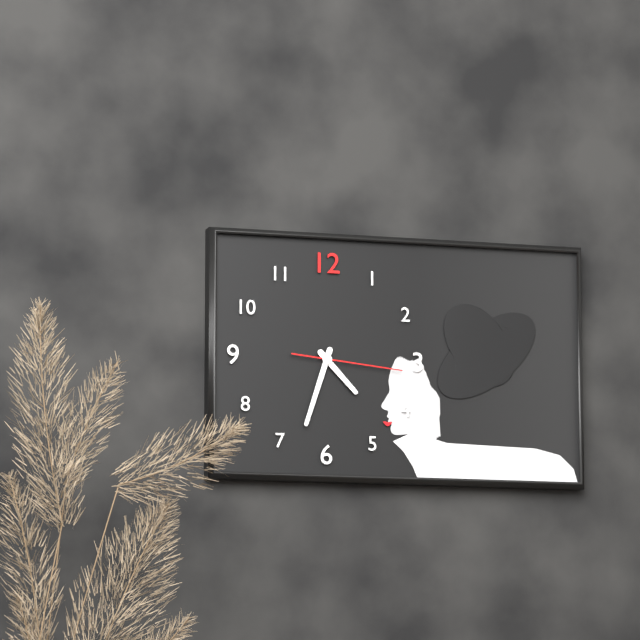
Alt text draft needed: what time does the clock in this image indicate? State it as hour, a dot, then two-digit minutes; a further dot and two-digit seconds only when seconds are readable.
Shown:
4.33.16
